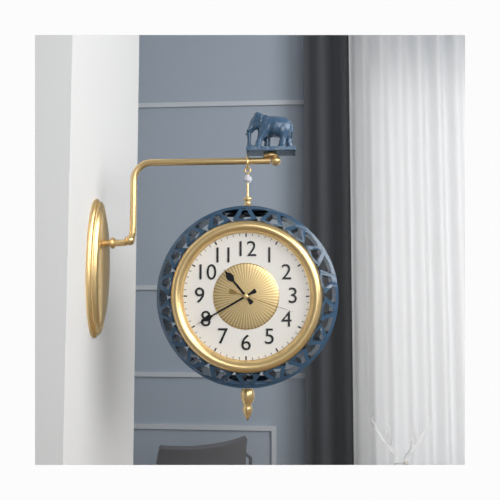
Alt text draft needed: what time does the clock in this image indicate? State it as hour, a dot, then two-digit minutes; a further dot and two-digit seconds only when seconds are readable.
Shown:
10.40.18
